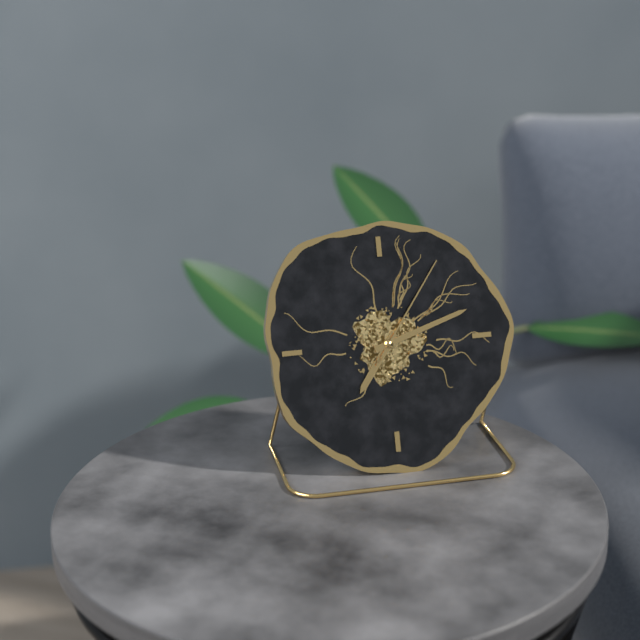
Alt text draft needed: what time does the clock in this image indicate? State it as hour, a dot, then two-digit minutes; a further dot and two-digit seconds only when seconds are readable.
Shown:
7.12.06
